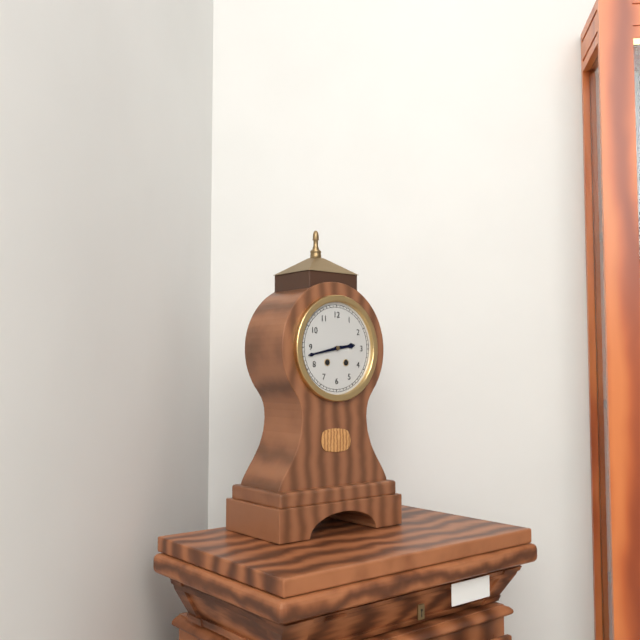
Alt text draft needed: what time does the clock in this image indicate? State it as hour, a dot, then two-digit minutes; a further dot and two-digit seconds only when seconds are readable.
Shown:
2.43
